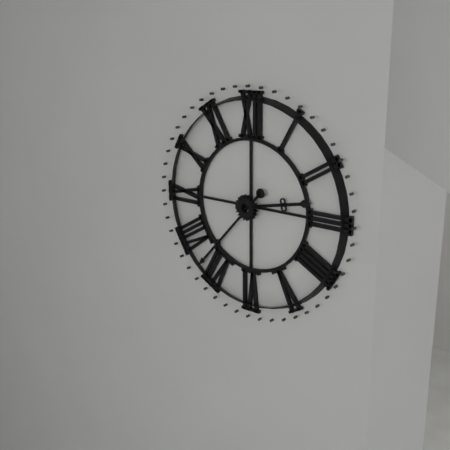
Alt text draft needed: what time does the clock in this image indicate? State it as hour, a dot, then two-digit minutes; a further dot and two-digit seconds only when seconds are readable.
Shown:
2.37
